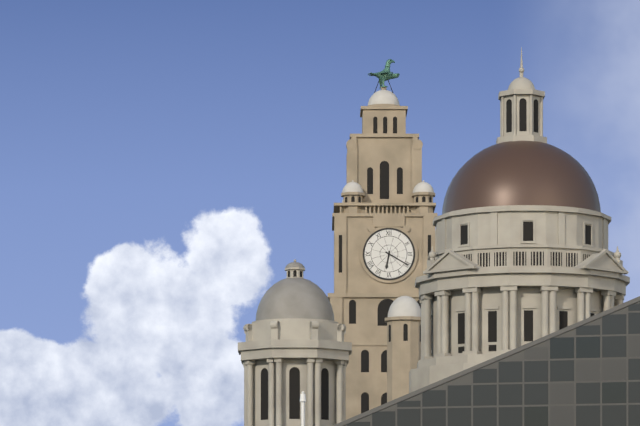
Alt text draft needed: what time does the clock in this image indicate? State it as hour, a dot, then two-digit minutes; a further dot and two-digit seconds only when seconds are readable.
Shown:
6.20
